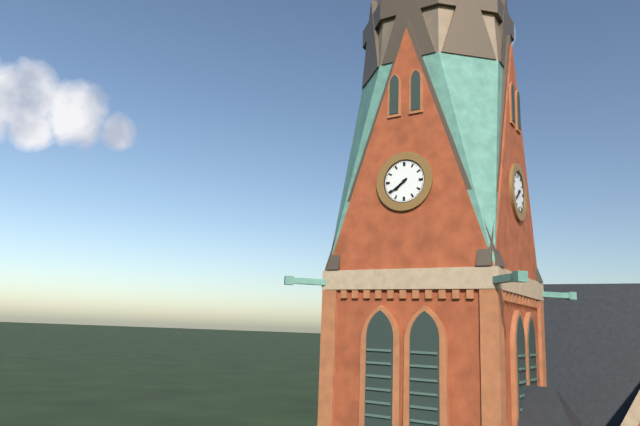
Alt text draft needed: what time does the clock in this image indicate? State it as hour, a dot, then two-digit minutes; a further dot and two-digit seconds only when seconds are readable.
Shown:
7.39
